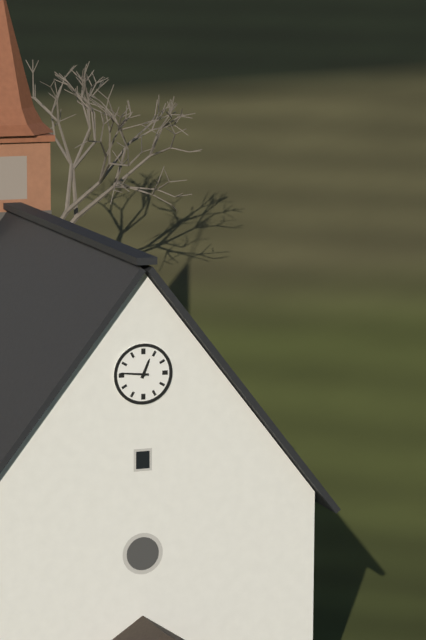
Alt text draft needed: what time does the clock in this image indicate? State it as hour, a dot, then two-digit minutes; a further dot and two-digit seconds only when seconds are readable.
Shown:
12.46
